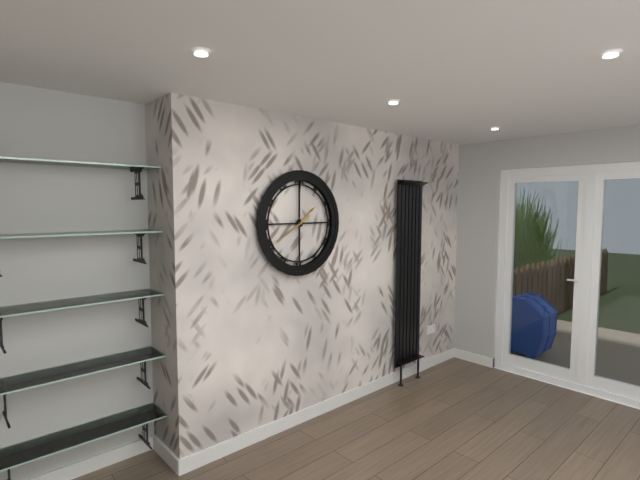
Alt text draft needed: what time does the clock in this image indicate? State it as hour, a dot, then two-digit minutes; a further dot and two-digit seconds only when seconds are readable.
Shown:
1.40
